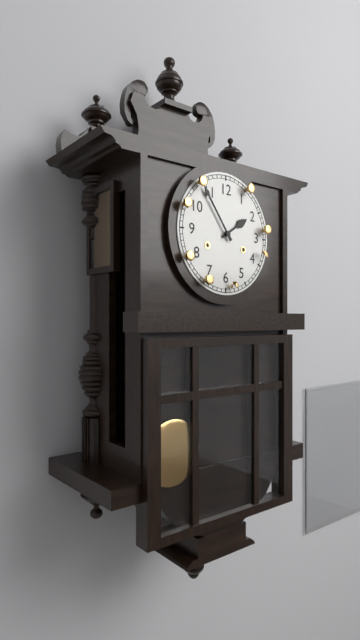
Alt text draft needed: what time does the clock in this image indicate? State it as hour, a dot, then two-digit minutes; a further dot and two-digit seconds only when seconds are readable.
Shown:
1.54
